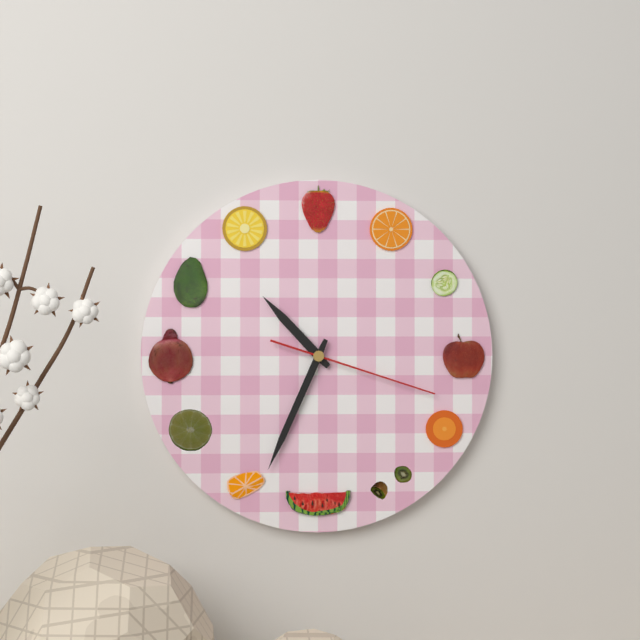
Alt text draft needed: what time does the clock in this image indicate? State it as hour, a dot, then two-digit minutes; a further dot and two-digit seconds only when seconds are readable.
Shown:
10.34.18
